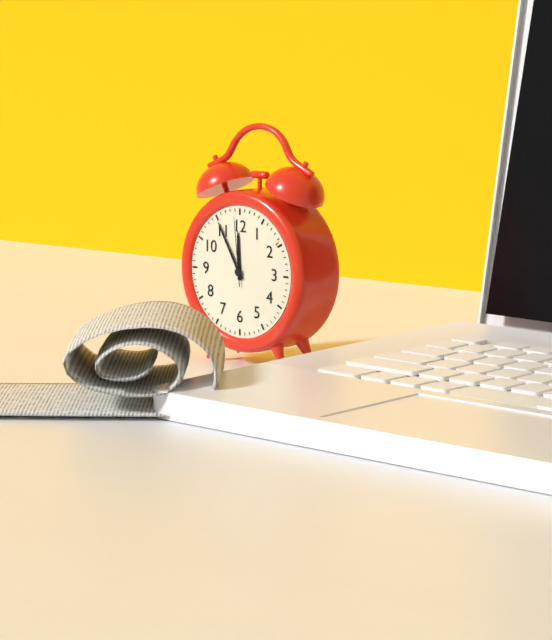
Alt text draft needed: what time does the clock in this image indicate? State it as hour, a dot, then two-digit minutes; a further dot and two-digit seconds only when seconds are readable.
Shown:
11.55.59
